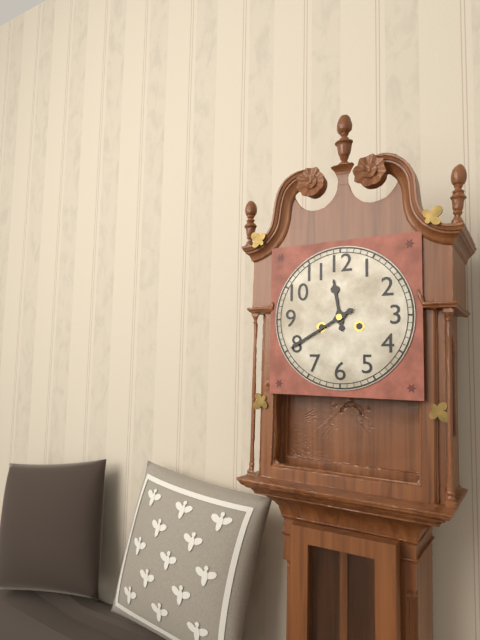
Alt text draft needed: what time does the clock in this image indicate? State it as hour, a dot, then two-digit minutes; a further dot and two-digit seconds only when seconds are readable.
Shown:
11.40
